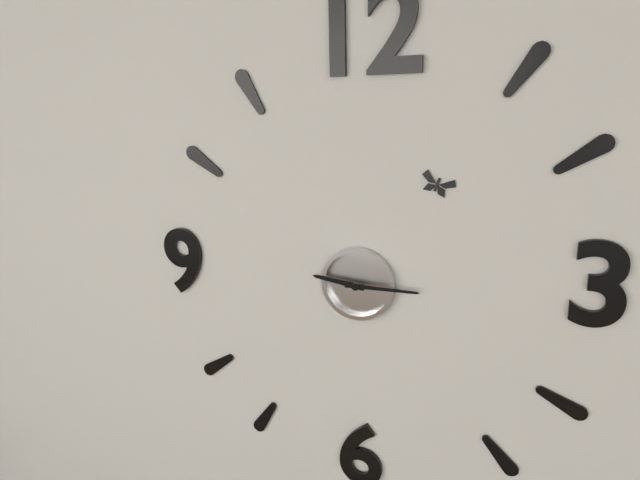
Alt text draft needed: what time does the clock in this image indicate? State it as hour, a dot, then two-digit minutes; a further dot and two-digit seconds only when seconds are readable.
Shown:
9.15
